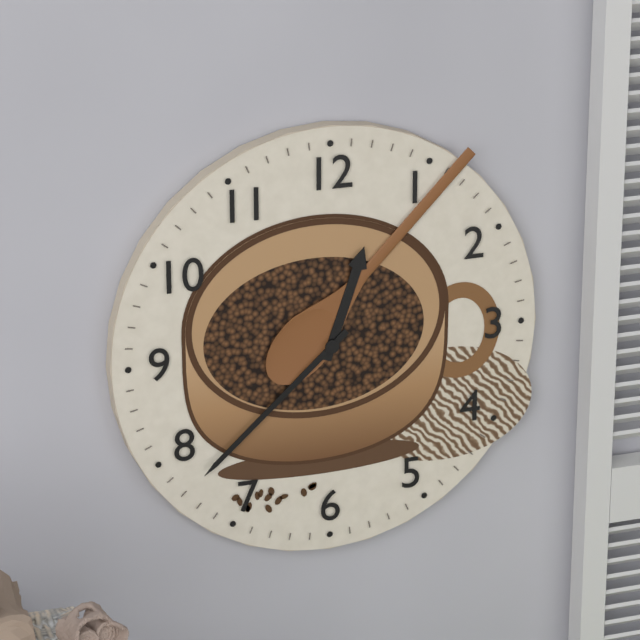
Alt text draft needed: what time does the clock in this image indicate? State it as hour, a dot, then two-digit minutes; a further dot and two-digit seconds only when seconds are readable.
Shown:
12.38
